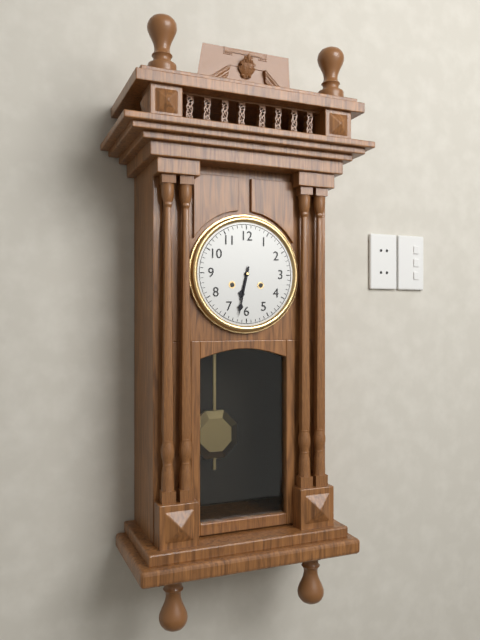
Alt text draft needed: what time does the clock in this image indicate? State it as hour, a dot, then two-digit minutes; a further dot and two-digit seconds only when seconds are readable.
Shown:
6.32
